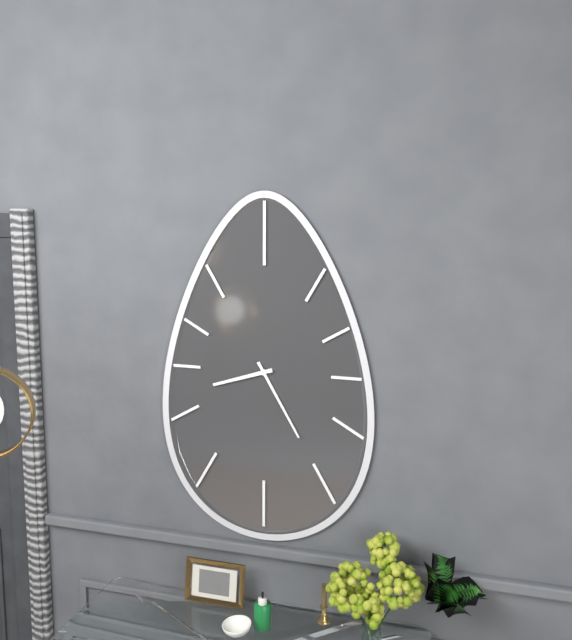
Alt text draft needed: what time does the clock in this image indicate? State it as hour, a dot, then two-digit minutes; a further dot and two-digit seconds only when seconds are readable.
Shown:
8.25
